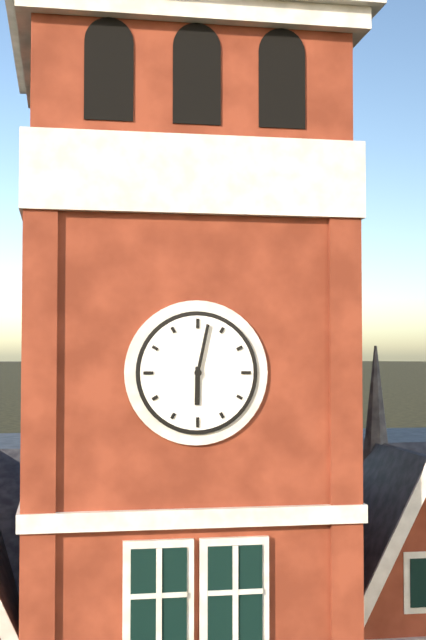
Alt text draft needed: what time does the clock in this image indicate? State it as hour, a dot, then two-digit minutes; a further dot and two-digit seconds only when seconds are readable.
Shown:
6.02
